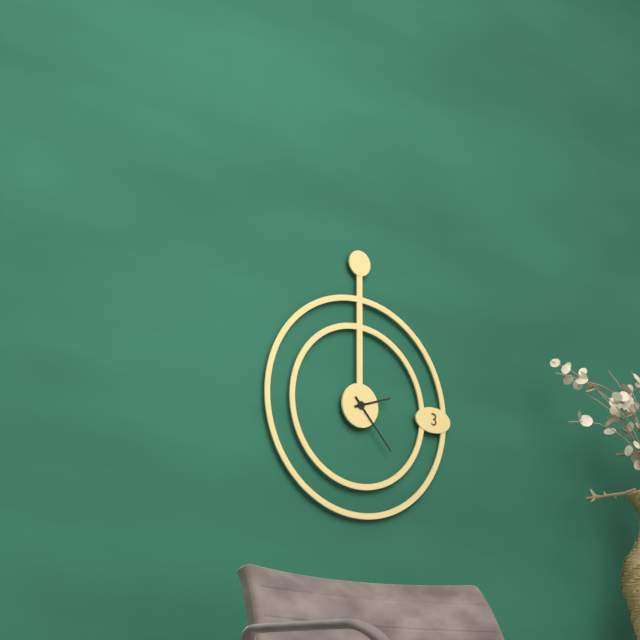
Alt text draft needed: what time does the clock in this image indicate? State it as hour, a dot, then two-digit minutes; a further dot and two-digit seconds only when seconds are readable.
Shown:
2.23
